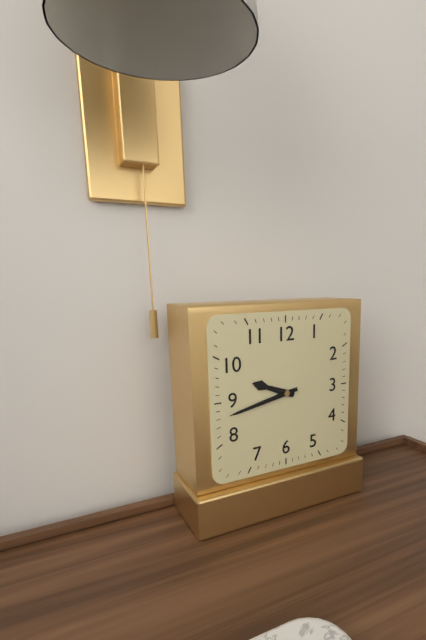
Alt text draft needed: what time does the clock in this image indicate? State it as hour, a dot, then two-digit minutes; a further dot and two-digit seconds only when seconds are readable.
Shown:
9.43
